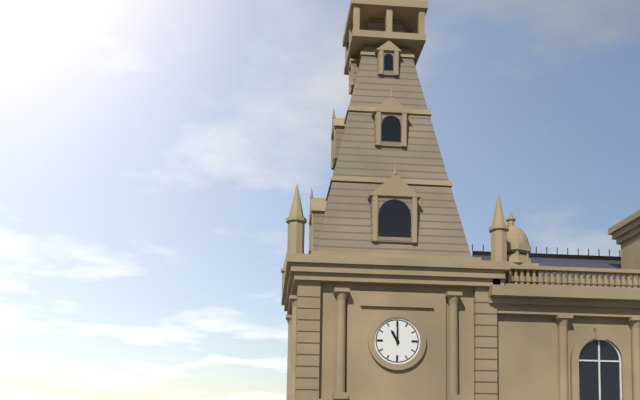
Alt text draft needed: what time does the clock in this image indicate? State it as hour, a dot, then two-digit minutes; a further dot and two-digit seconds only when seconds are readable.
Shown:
11.00
